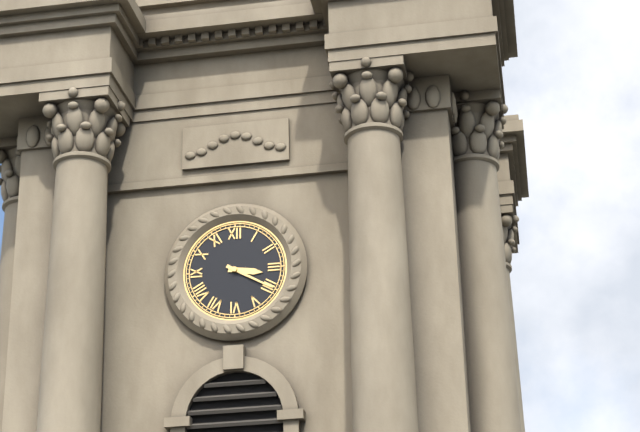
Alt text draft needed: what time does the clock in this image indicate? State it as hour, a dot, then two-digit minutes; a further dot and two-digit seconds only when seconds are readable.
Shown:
3.20
